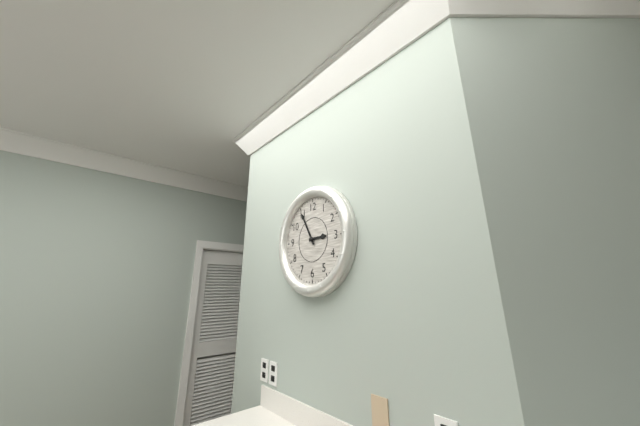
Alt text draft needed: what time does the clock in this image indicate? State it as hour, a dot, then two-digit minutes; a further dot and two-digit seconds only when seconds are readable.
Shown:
2.55
